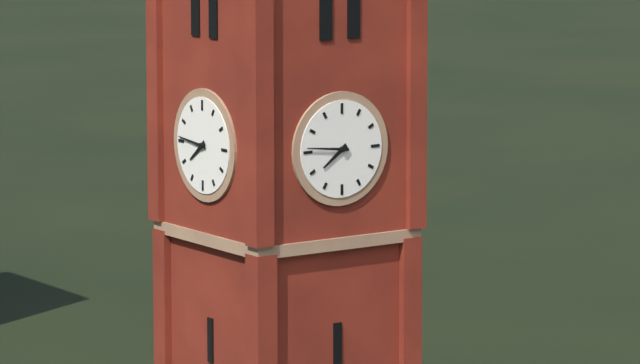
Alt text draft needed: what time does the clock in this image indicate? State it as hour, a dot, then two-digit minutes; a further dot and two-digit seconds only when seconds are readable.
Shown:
7.46
